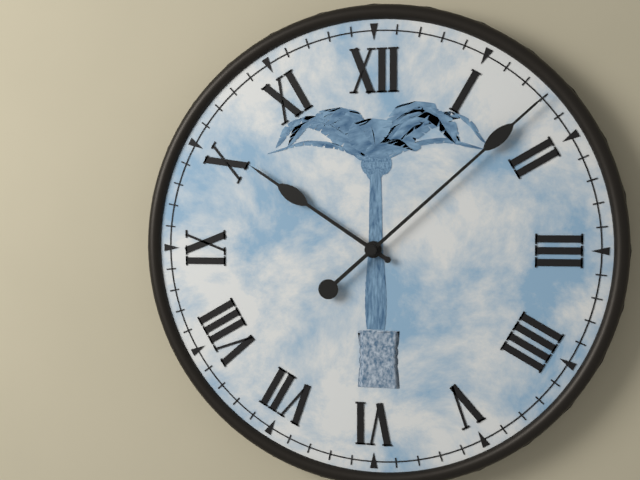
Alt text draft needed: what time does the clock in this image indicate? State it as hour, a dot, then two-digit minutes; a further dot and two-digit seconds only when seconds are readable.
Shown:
10.08
